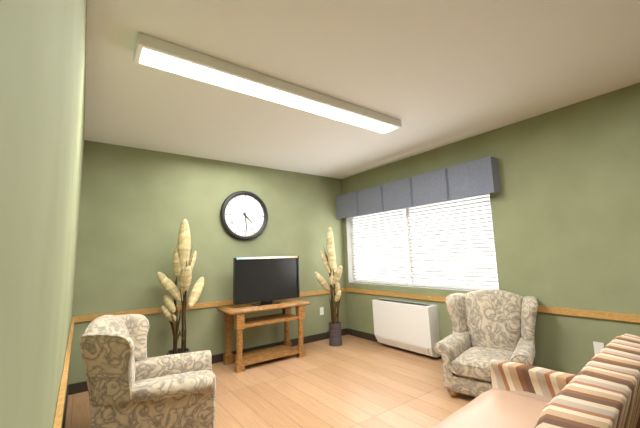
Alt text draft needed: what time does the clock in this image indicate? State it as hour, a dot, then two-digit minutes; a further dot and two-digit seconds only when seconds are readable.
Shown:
4.29
